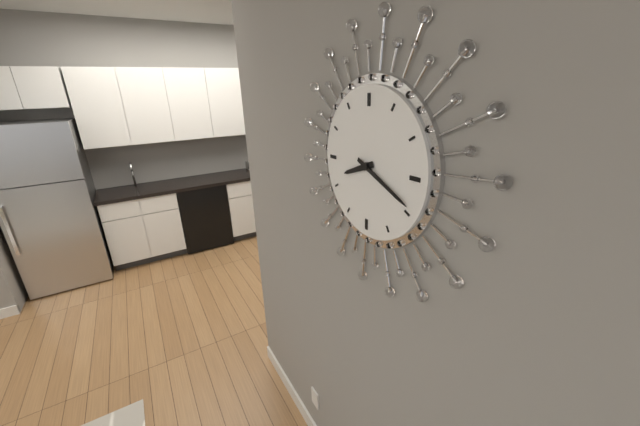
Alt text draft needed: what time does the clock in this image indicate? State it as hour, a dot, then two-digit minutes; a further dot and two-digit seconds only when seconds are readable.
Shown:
8.19
